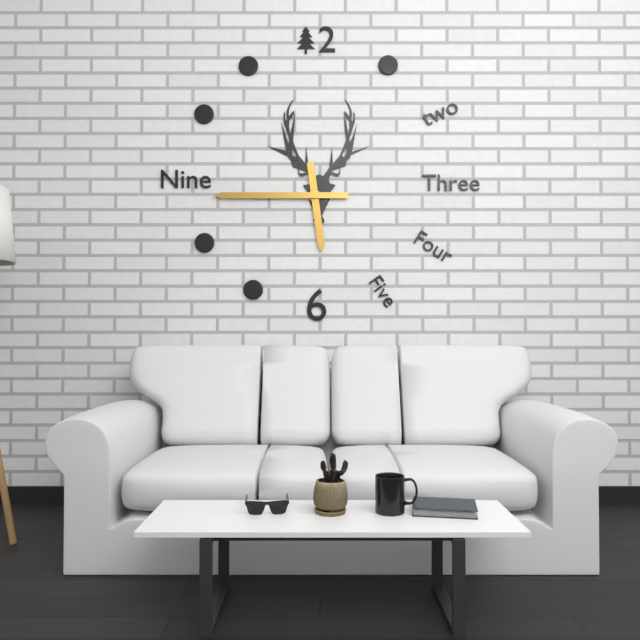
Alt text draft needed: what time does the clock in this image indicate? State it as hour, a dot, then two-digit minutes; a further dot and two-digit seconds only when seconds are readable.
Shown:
5.45
